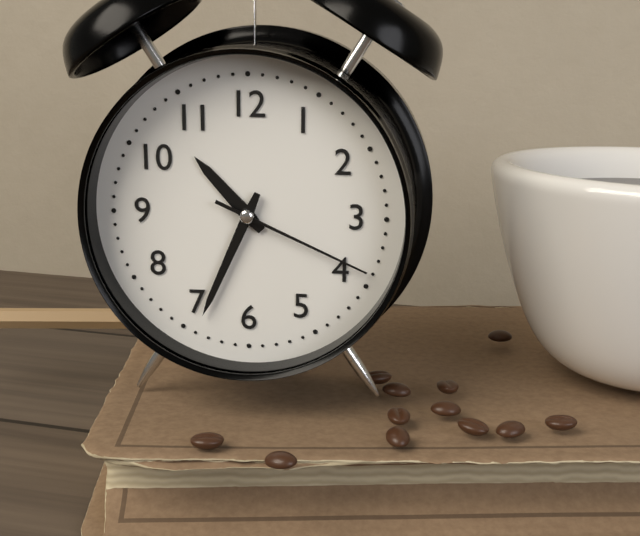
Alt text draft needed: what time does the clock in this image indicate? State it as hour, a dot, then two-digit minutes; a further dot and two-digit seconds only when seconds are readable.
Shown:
10.34.19
